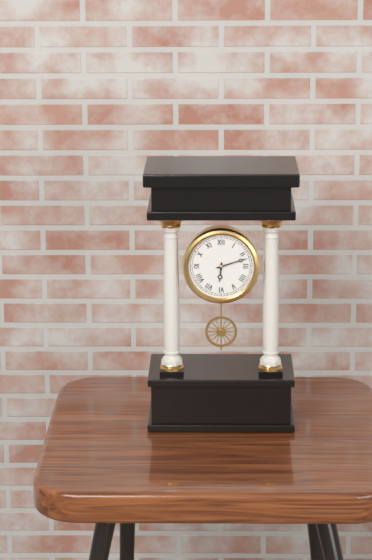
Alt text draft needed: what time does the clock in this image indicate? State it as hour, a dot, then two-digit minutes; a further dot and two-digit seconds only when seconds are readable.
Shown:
6.12
